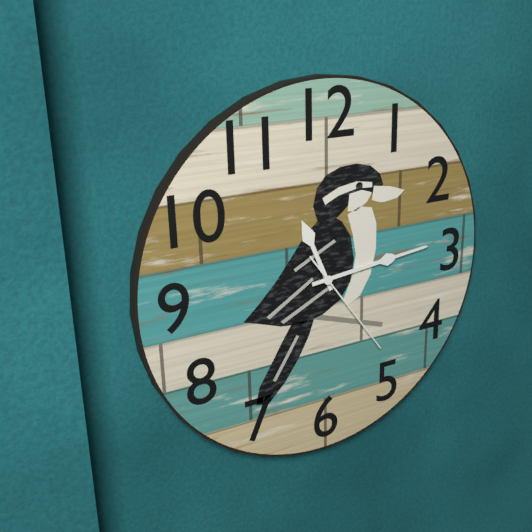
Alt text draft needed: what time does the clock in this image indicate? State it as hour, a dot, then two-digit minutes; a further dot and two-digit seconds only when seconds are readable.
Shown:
11.14.24
